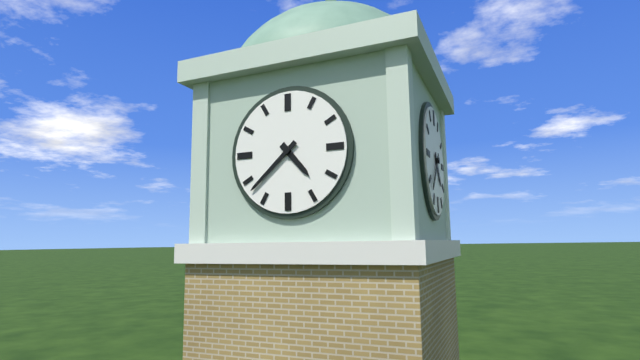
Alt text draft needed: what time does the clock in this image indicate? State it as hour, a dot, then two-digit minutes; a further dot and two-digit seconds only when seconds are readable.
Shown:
4.38
